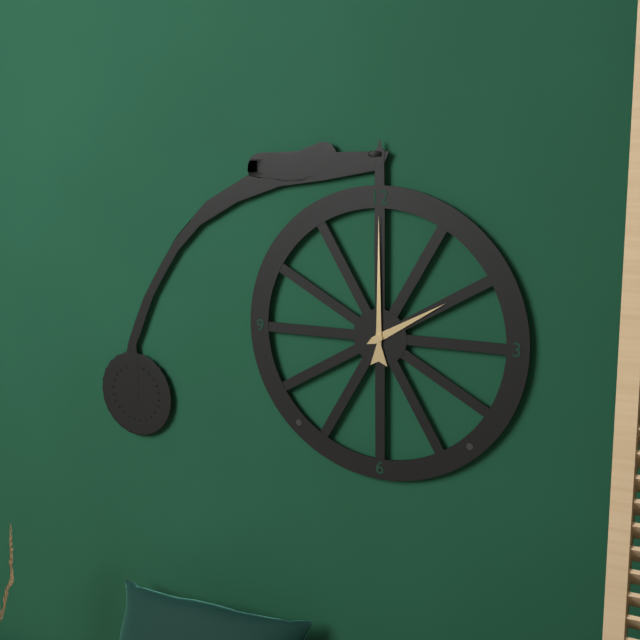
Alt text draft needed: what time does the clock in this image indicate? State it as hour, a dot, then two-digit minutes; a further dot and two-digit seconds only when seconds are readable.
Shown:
2.00
